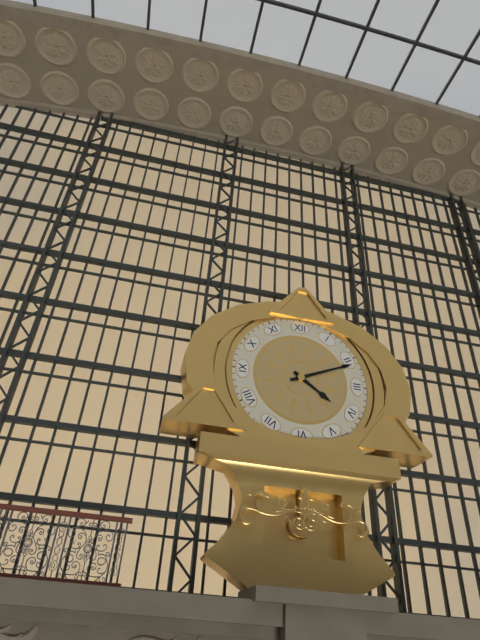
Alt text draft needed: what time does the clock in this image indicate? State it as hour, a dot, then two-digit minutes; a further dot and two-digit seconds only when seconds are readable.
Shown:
4.11
